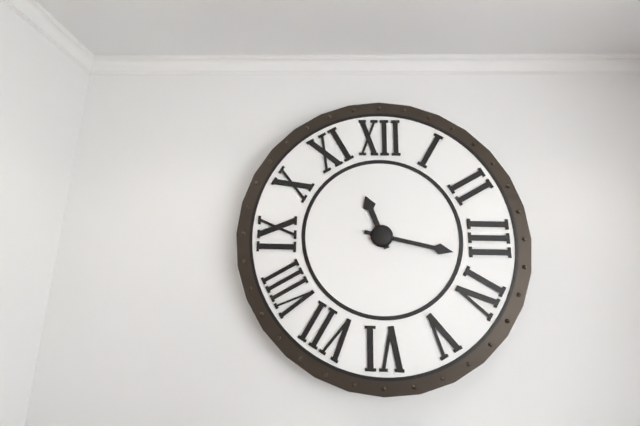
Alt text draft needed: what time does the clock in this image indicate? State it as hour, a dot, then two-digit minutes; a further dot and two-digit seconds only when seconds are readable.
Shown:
11.17
